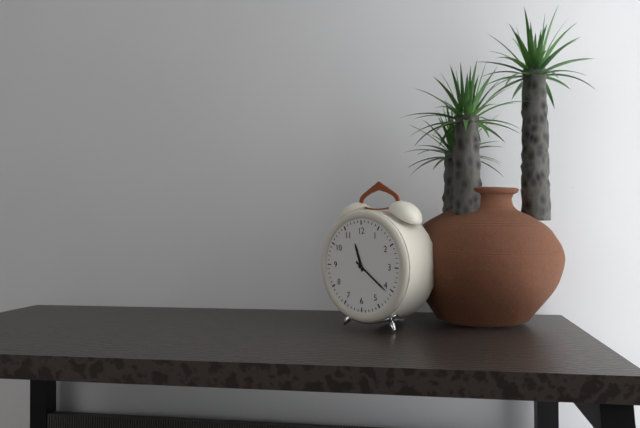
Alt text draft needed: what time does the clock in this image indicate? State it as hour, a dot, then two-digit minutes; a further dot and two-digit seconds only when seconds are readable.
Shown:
11.21
